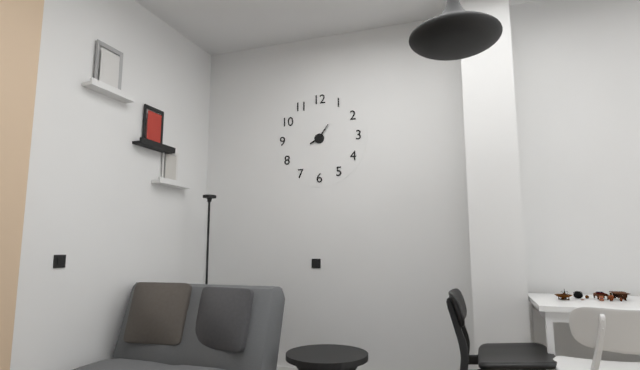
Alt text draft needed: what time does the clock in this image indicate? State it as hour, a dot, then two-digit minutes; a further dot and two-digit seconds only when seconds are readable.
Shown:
8.06
